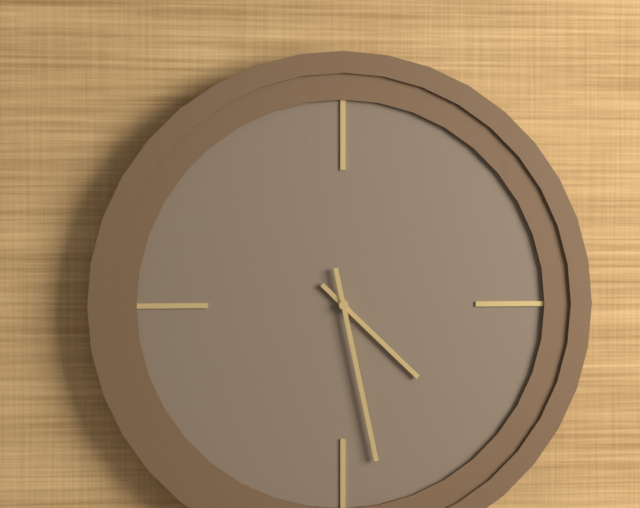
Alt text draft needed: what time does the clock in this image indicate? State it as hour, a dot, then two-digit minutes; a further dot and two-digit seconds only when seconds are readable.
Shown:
4.28
